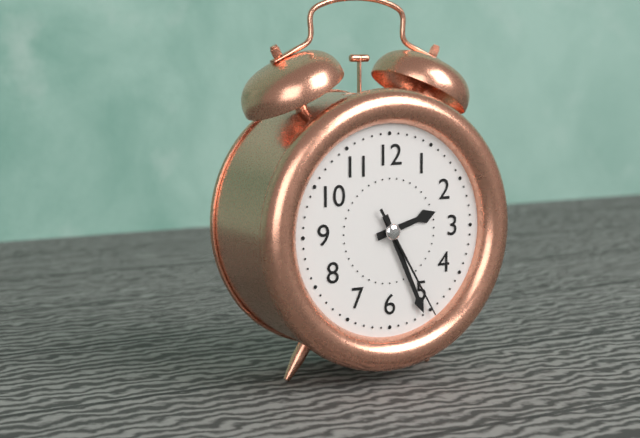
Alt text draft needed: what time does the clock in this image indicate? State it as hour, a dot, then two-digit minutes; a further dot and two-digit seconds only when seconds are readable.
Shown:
2.26.25
